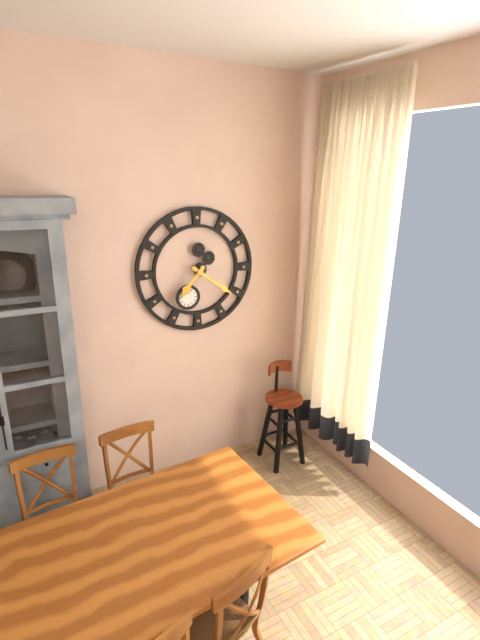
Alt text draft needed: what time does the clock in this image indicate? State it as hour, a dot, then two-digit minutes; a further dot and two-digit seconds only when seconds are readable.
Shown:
7.21
